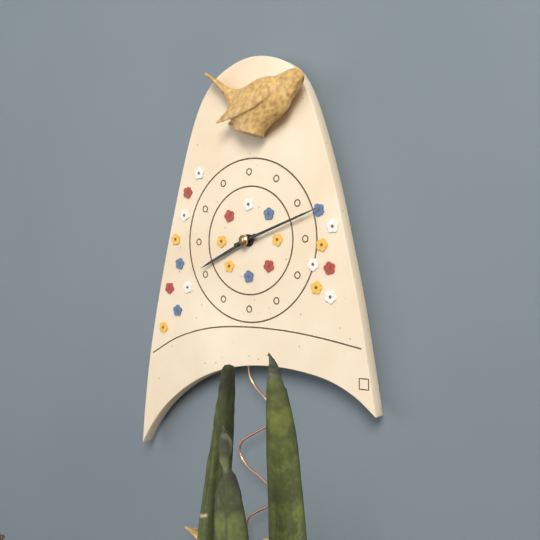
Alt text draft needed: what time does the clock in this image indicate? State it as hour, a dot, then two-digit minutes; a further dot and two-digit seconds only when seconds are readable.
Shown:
8.12
